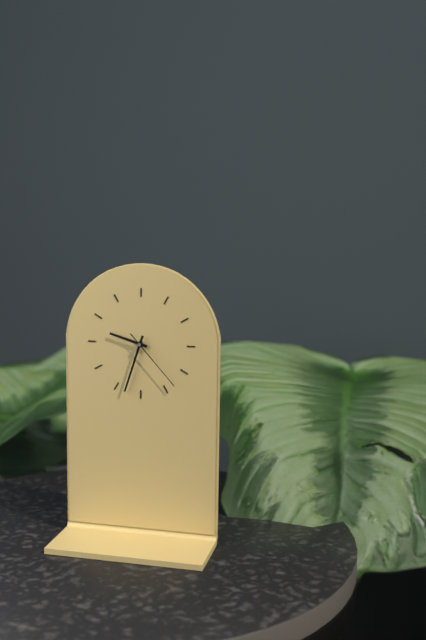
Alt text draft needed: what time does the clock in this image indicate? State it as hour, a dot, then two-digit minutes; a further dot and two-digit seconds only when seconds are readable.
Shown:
9.33.23
